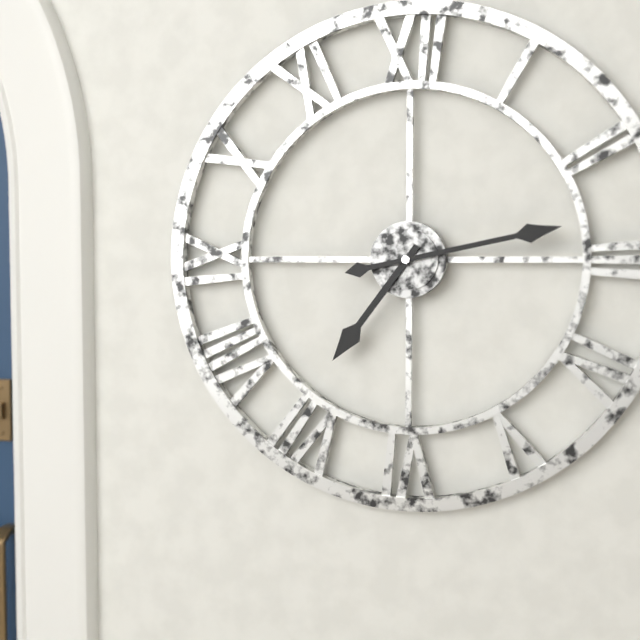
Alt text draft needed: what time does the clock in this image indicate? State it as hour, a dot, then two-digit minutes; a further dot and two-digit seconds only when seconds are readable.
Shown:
7.13
